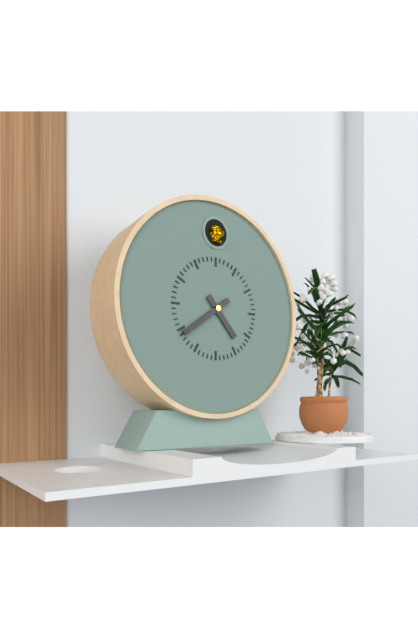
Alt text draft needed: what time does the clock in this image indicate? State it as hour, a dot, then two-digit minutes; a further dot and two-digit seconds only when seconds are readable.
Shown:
4.39
